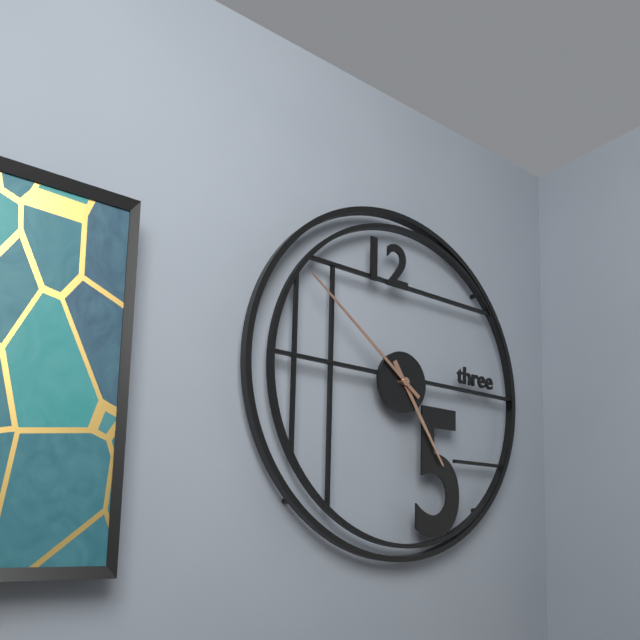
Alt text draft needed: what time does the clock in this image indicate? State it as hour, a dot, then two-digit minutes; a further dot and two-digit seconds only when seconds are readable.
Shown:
4.51
